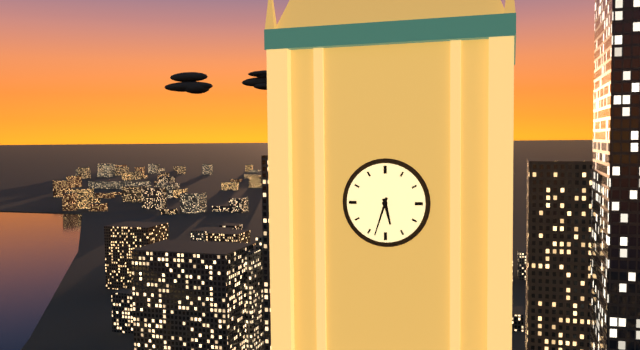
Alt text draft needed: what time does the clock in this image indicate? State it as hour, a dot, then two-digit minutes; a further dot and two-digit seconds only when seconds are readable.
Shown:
5.33
